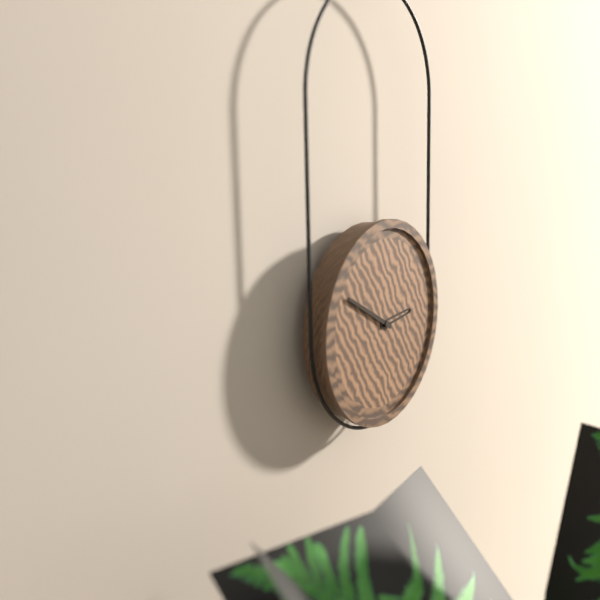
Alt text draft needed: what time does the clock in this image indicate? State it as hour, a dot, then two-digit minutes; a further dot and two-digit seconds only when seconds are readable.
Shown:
2.50
